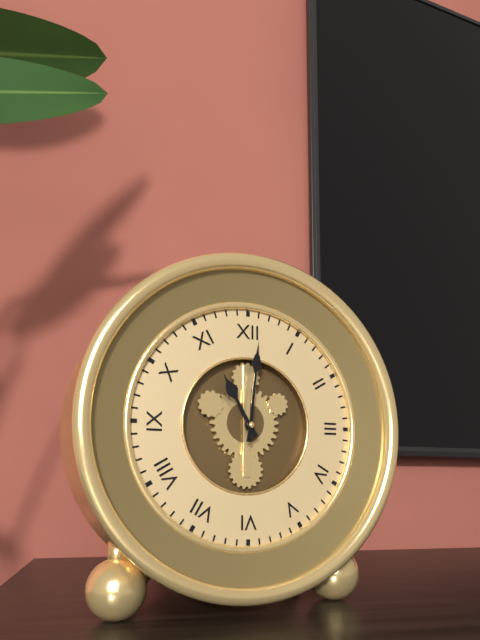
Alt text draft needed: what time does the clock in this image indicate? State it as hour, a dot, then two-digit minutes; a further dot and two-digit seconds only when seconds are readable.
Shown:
11.01
